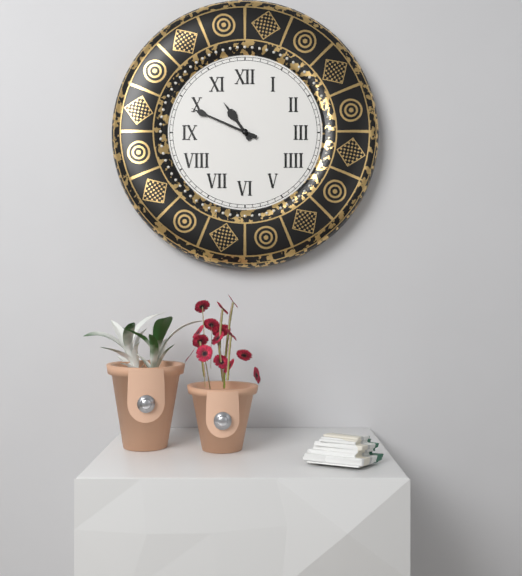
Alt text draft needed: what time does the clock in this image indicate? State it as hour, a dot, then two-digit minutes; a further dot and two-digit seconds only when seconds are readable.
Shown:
10.49
